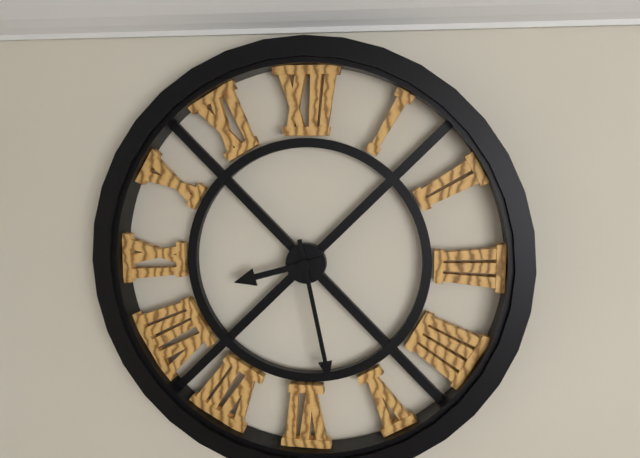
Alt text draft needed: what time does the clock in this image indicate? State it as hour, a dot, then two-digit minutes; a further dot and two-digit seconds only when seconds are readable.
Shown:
8.28
